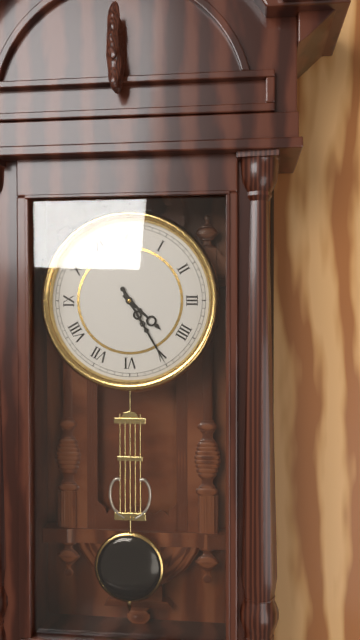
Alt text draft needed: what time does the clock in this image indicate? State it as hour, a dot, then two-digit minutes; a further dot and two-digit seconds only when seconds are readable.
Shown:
4.25
